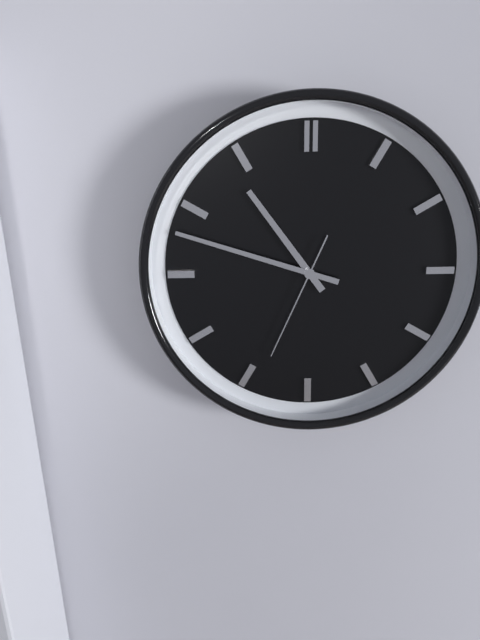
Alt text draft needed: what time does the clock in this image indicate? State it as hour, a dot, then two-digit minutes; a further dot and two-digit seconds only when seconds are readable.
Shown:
10.48.34
